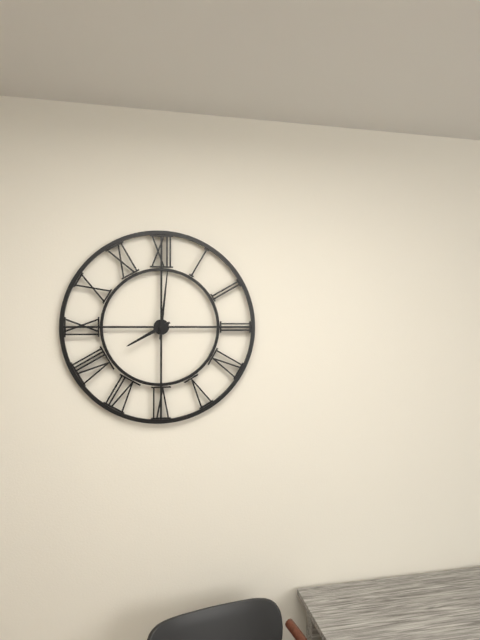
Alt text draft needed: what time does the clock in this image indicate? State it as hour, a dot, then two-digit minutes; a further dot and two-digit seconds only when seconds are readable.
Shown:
8.01
